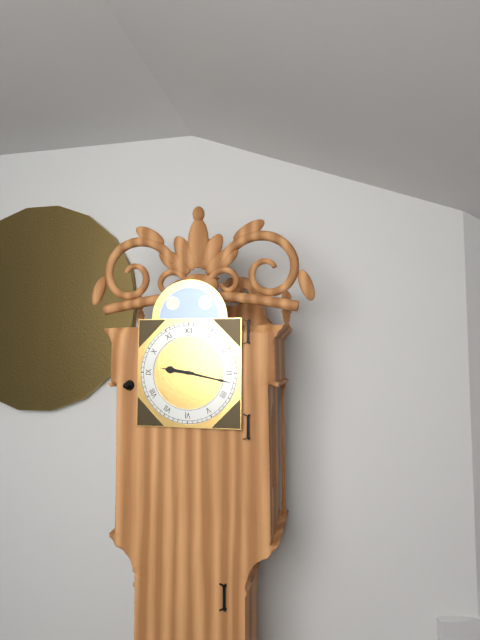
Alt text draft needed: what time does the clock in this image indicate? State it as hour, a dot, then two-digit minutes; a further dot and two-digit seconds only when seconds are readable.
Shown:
9.17
